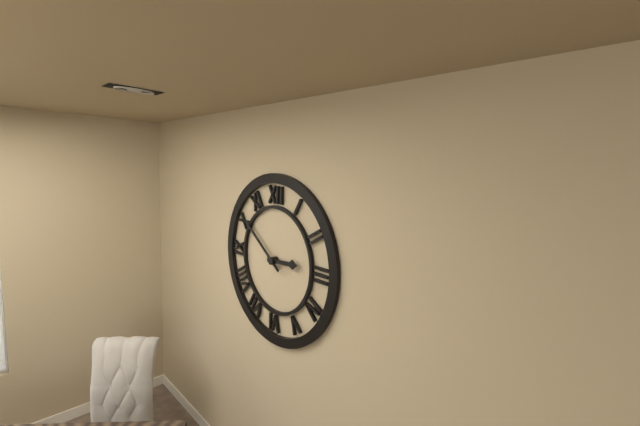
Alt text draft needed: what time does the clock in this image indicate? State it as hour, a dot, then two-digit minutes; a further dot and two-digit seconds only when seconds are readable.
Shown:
2.51
